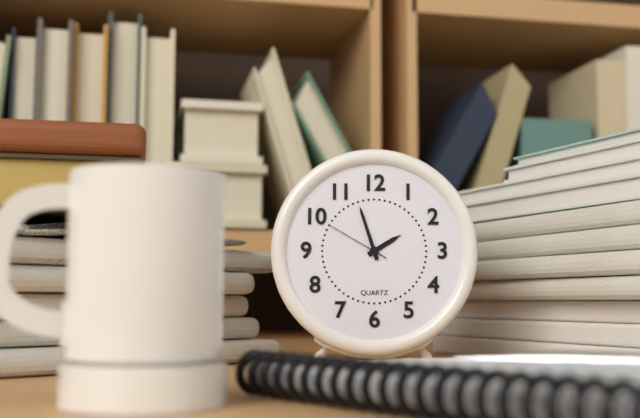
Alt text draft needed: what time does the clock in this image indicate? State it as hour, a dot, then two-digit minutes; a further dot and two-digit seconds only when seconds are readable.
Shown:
1.57.50
